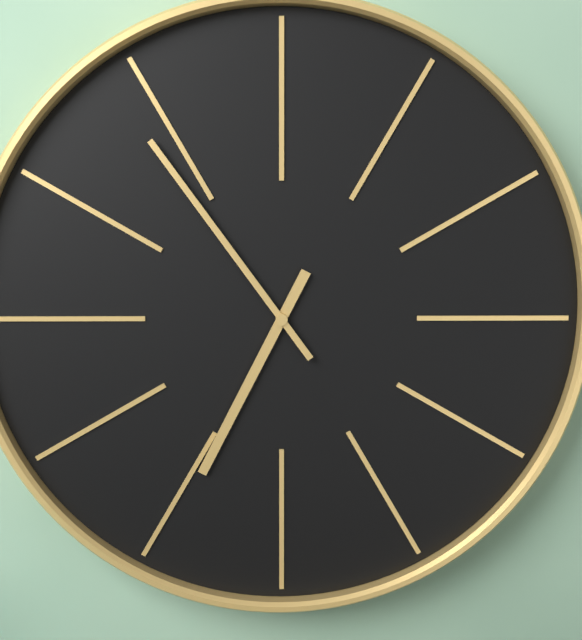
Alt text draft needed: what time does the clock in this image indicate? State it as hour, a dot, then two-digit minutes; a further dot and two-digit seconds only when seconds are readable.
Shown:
6.54
